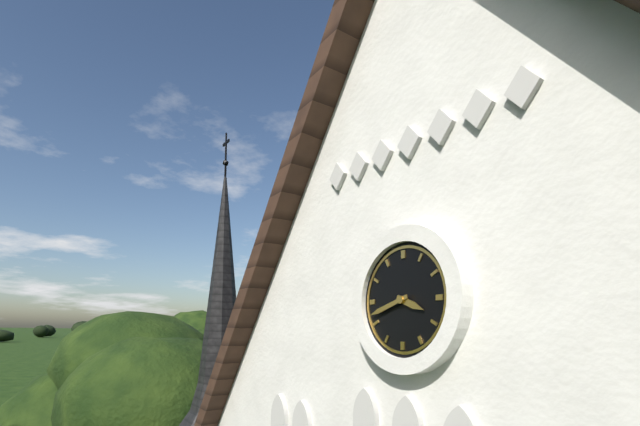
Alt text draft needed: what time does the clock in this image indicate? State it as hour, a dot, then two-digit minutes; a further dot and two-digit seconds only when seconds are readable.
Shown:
3.42
